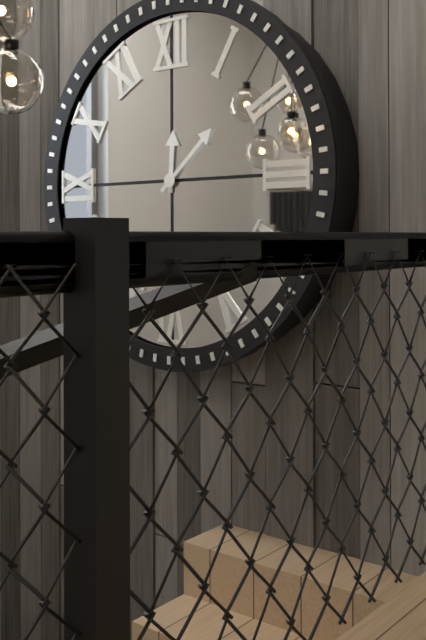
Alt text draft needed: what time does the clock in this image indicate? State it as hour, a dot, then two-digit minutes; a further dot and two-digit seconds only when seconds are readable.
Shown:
12.08
